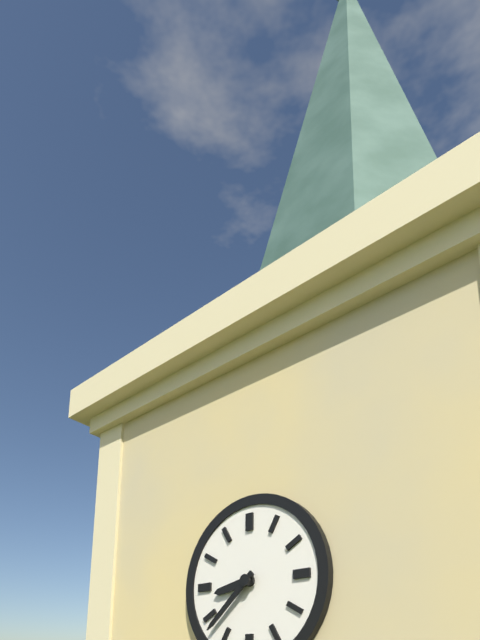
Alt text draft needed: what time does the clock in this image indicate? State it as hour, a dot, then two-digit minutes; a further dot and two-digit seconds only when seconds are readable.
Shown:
8.38
